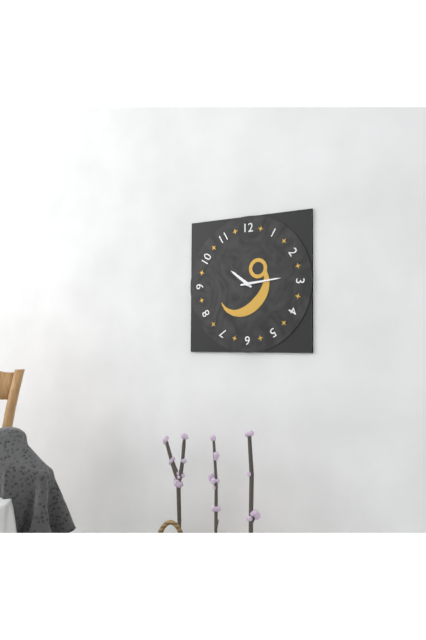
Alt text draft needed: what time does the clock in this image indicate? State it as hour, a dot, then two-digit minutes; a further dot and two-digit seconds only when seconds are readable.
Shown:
10.14
